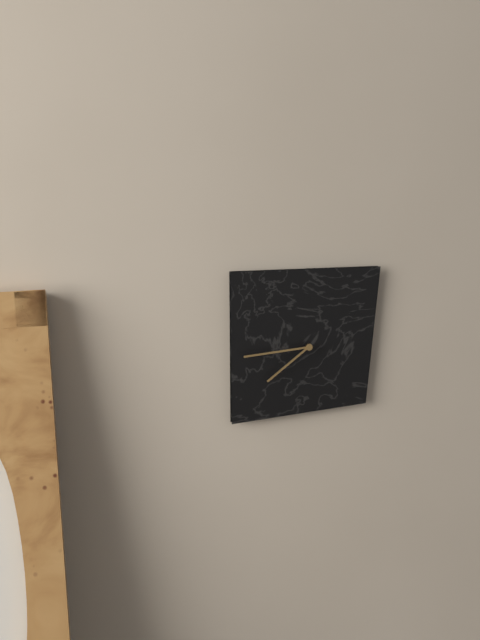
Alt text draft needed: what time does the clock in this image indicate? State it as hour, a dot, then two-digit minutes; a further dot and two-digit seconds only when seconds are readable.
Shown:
7.44
